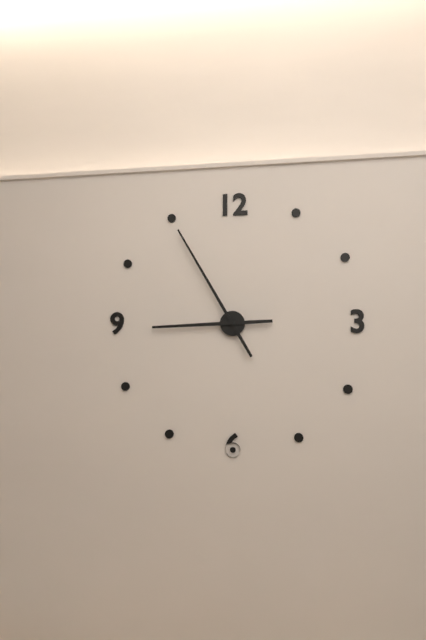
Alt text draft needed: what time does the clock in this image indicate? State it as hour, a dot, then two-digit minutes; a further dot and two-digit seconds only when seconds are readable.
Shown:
8.55
